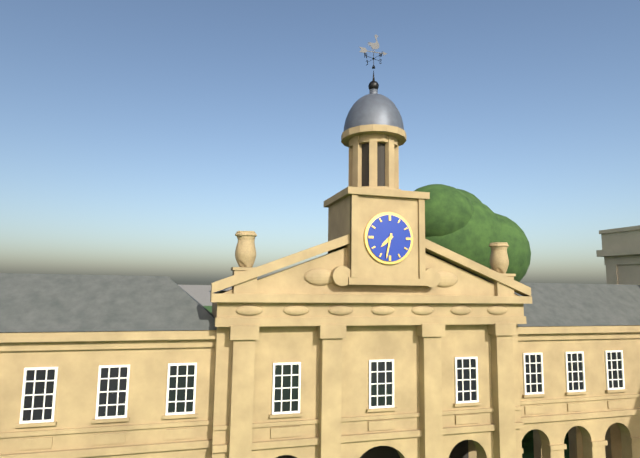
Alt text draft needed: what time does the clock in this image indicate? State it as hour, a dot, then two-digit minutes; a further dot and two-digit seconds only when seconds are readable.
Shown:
7.32
